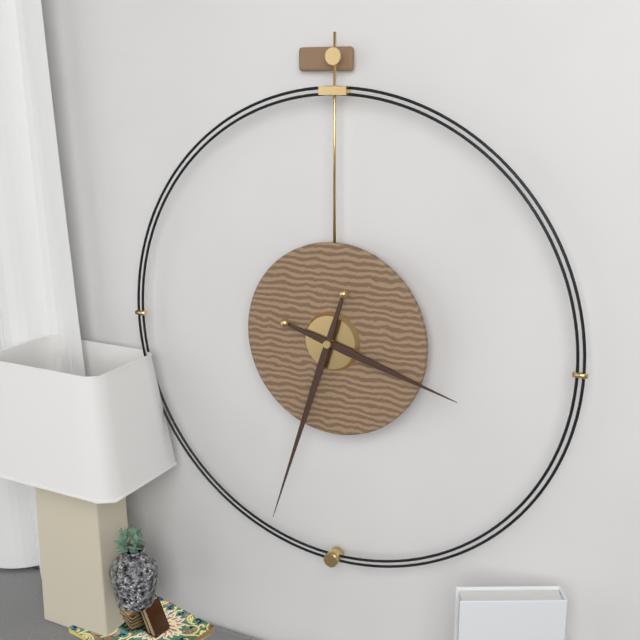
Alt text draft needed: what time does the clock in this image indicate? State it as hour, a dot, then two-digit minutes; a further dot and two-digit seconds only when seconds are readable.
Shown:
3.33
